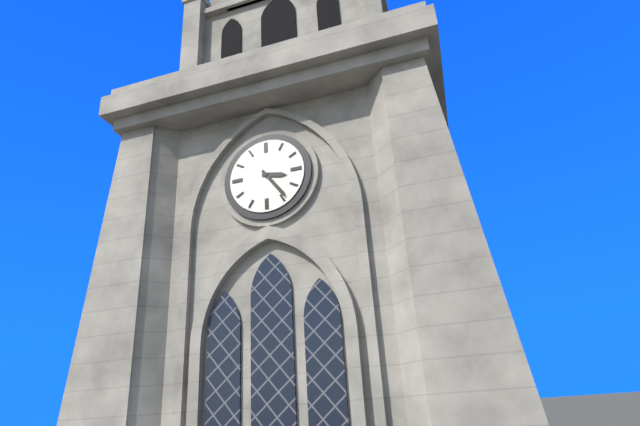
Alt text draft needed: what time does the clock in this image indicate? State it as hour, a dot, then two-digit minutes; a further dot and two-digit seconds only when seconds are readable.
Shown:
3.24
